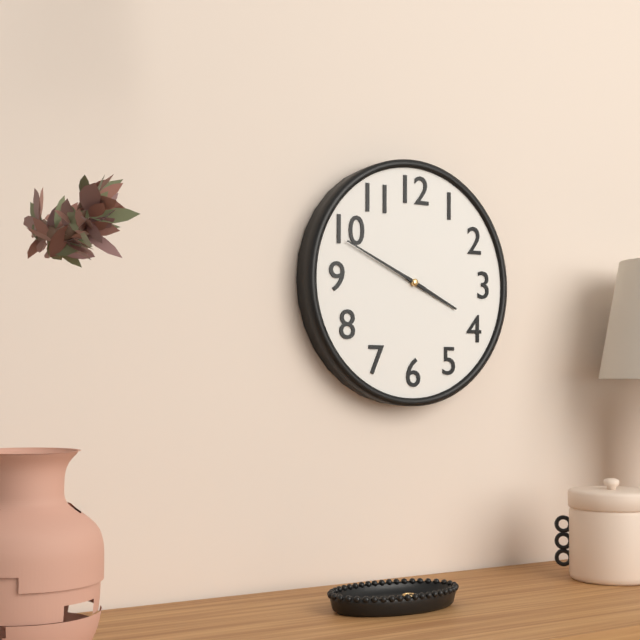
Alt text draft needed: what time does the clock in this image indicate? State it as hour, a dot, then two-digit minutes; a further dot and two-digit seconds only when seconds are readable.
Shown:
3.49
